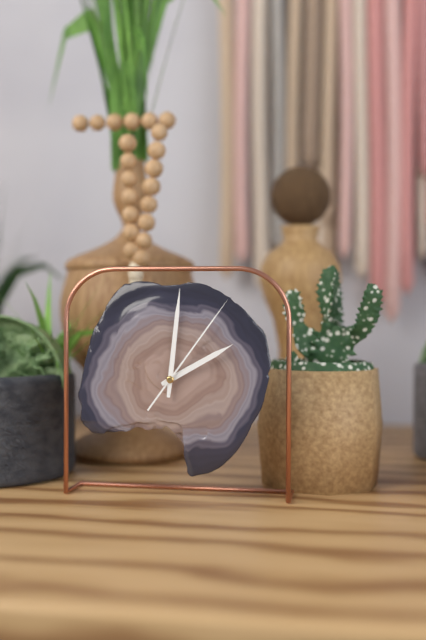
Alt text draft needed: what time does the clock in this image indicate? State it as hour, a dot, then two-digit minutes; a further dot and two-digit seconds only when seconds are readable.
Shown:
2.01.06
